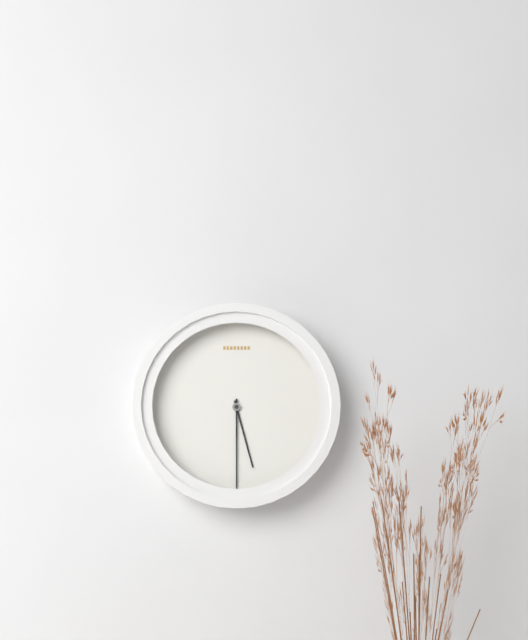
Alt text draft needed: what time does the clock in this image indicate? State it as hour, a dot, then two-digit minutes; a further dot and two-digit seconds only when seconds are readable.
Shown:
5.30
